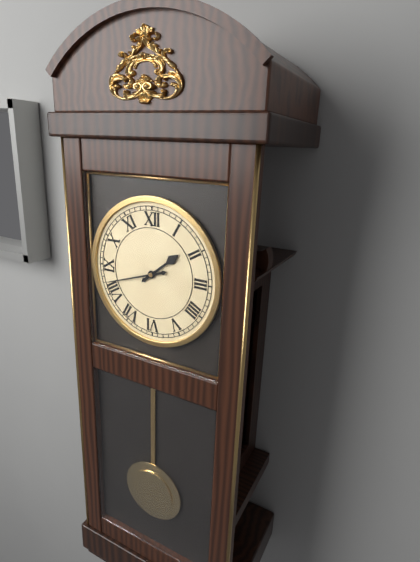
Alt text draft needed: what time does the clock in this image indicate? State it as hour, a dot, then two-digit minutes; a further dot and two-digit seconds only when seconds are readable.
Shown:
1.42
